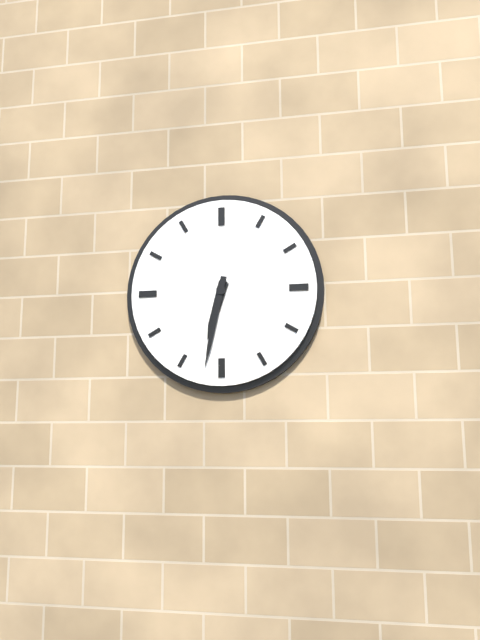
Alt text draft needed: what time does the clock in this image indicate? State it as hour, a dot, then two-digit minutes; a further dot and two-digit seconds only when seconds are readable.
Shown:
6.32
